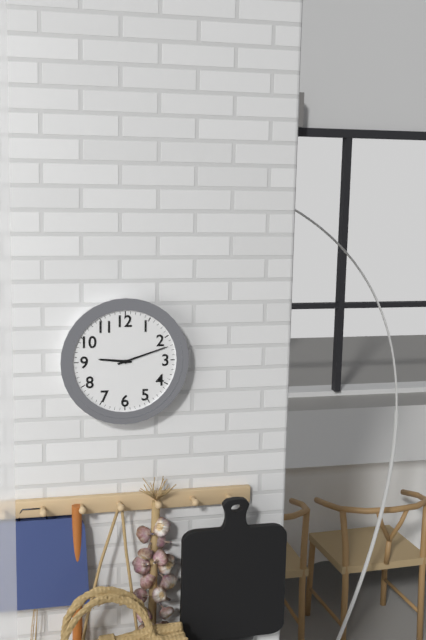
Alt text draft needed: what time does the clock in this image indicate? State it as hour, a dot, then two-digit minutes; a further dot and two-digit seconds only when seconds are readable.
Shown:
9.12
